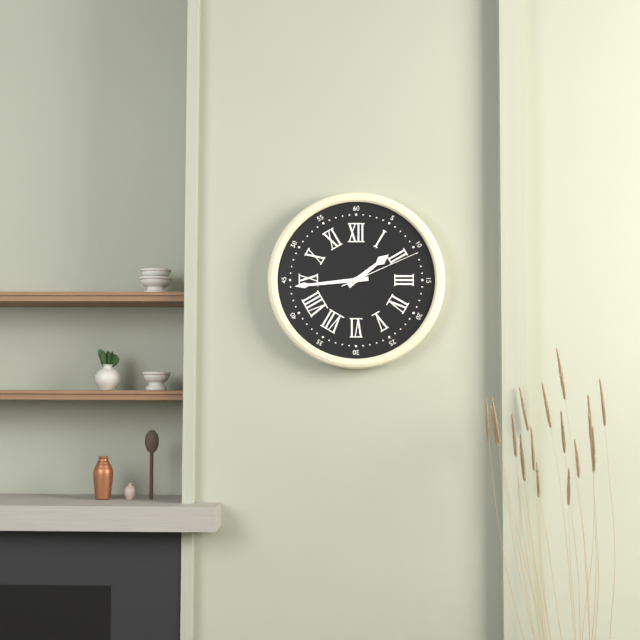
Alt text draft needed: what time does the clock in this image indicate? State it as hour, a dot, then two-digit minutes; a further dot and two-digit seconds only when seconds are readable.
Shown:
1.44.11
